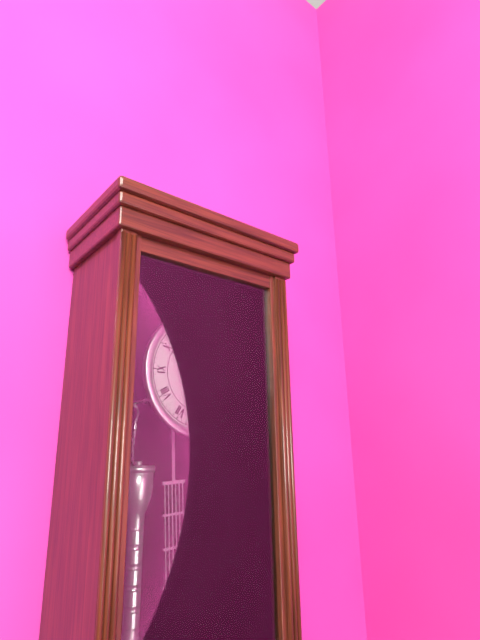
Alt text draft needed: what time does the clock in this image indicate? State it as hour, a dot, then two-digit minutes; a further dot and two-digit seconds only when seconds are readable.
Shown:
1.30
